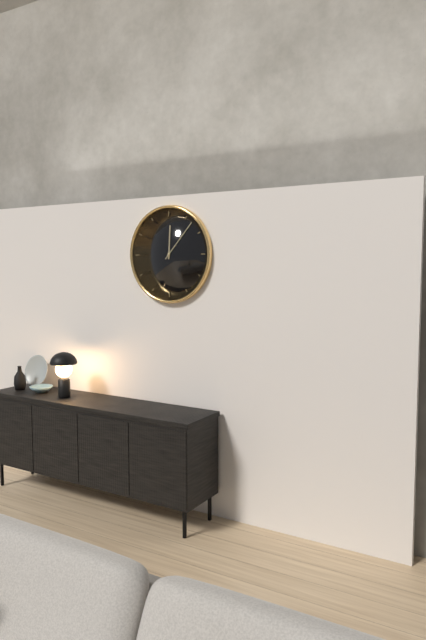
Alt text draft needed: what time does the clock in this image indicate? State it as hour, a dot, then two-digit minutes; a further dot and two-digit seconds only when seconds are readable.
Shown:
12.07
